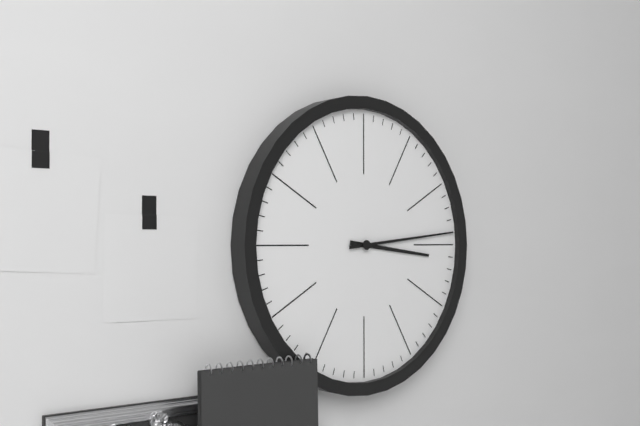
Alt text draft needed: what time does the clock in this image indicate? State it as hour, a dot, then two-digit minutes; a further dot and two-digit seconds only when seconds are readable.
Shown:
3.14
